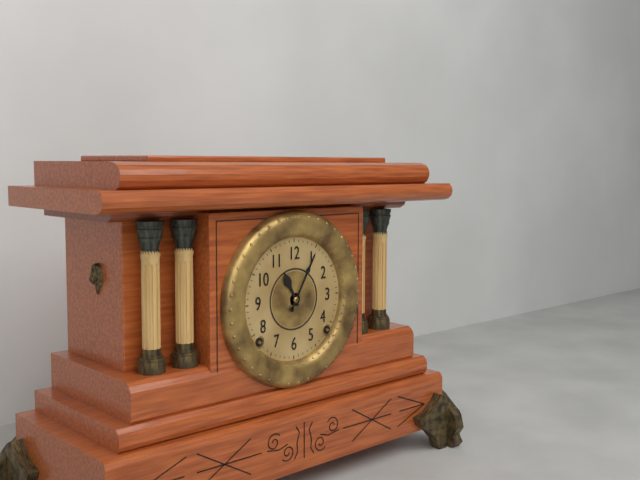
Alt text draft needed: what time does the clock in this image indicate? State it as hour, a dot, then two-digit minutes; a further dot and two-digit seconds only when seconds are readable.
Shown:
11.05
